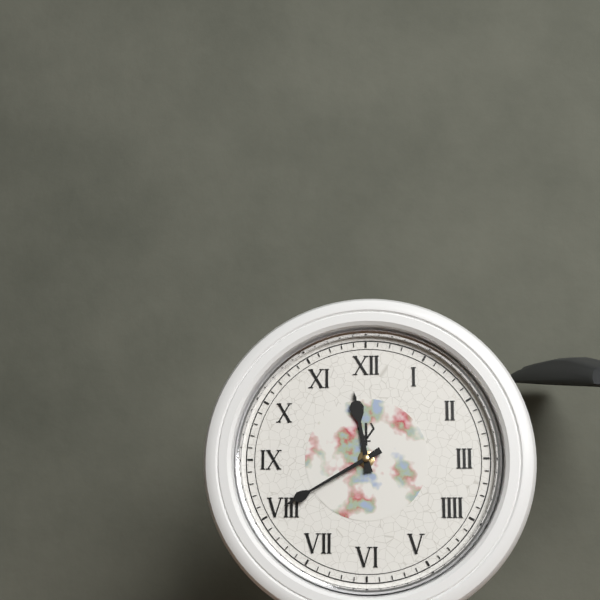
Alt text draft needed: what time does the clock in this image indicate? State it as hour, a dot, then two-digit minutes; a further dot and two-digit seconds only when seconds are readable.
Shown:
11.40
